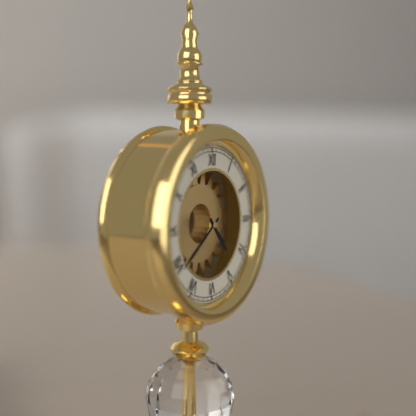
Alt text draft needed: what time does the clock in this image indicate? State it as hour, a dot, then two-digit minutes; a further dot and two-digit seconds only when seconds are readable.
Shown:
4.39
